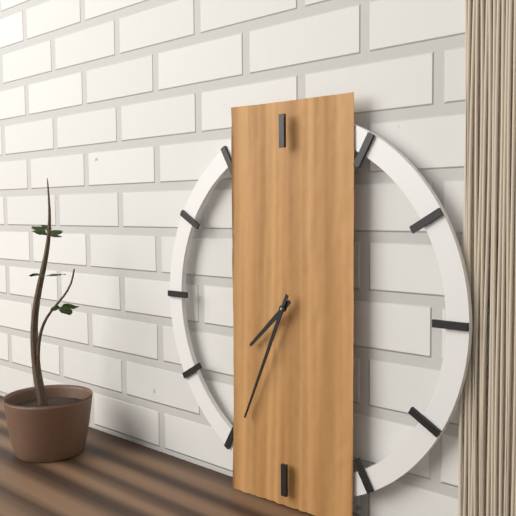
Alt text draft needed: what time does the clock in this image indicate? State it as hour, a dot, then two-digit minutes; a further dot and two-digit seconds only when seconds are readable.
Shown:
7.34
